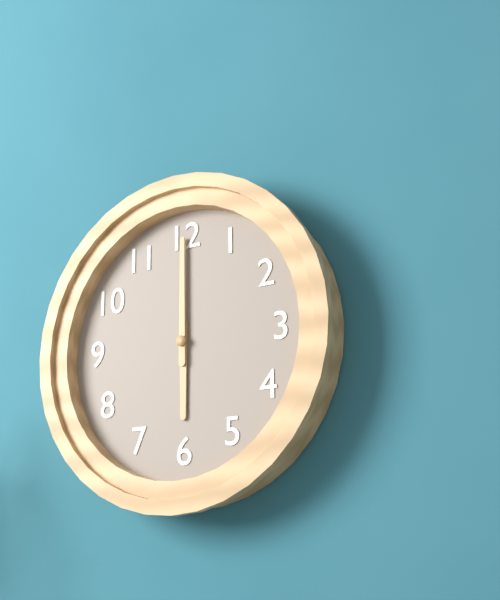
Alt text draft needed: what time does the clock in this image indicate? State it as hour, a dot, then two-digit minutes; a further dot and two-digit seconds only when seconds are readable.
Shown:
6.00
